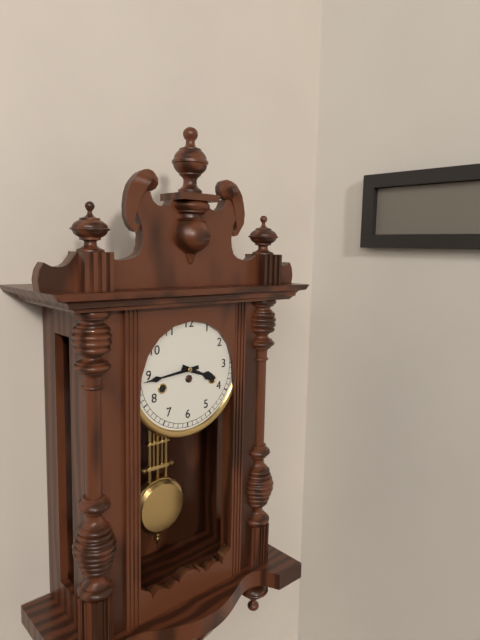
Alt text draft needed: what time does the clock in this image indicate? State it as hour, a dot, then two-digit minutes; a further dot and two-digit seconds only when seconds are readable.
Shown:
3.44
